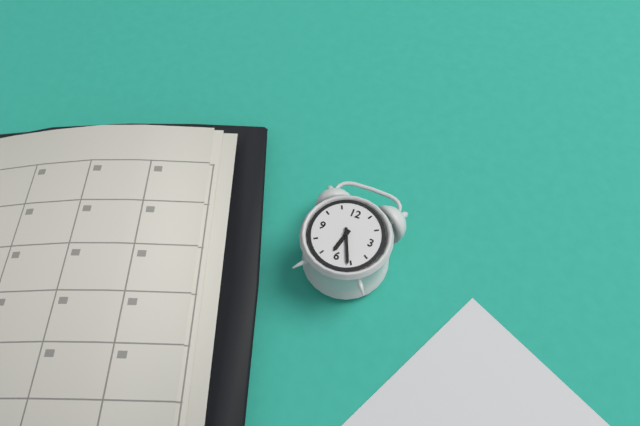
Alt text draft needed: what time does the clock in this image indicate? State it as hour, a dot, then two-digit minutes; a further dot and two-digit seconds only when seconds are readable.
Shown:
6.26
